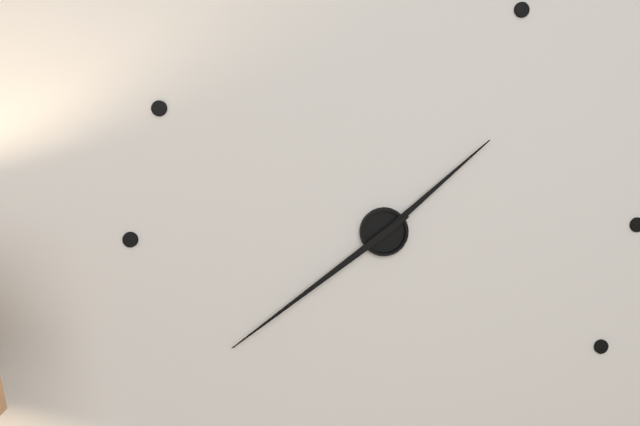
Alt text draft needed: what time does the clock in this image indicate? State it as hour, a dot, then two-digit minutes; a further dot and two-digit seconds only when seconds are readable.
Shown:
1.39
